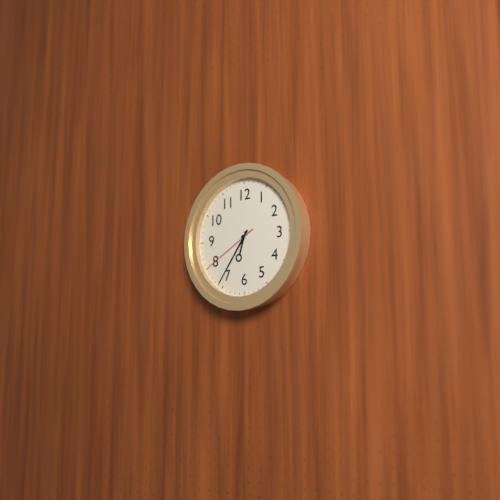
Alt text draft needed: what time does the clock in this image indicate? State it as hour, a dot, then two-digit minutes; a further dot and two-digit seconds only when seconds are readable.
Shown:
6.36.40
